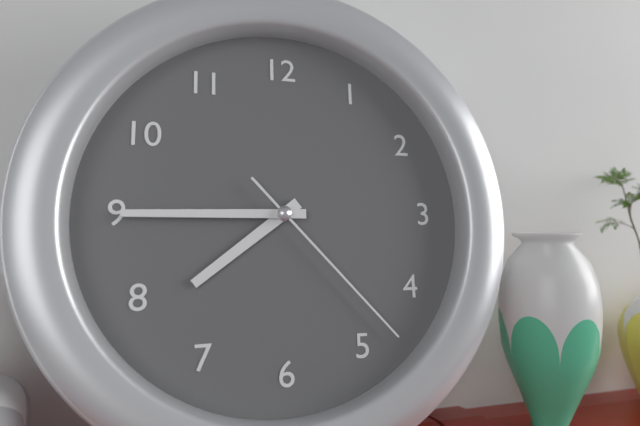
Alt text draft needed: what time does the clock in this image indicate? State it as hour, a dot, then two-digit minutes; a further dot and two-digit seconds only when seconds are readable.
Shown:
7.45.23
